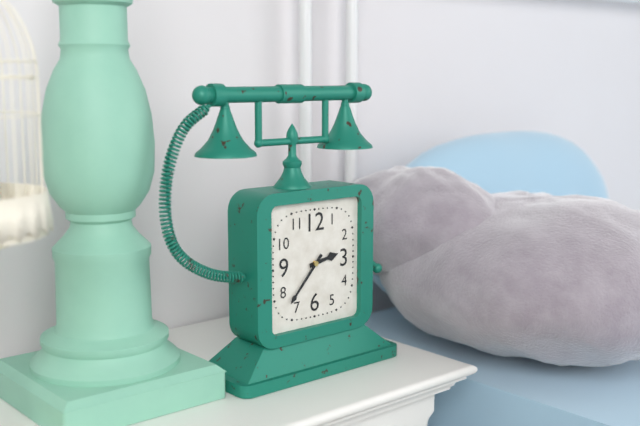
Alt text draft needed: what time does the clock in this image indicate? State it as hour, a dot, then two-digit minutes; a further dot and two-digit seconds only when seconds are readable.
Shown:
2.37
